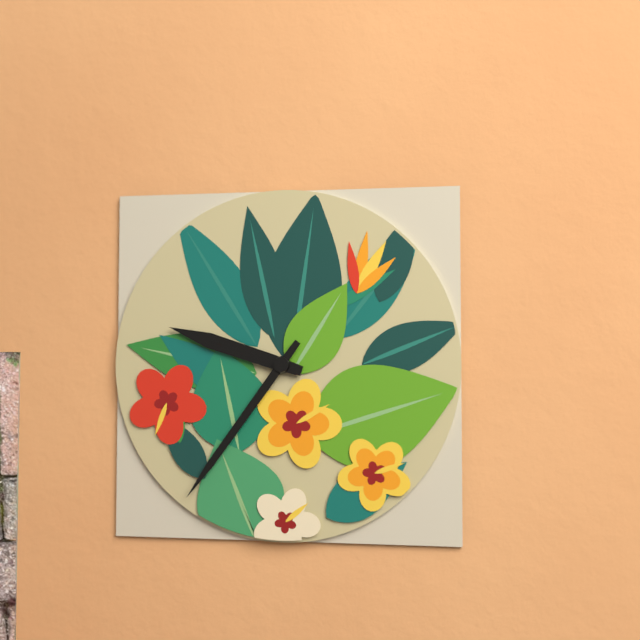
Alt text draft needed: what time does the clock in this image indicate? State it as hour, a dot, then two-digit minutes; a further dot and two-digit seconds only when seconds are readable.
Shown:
9.36
